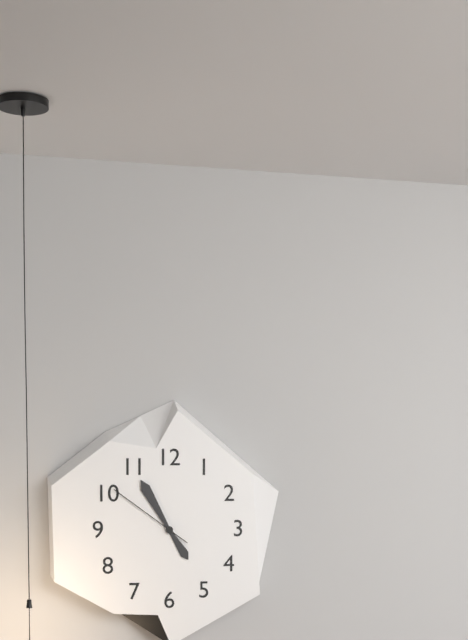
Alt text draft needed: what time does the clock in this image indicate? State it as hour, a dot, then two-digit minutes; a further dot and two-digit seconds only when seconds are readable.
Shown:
4.55.51
